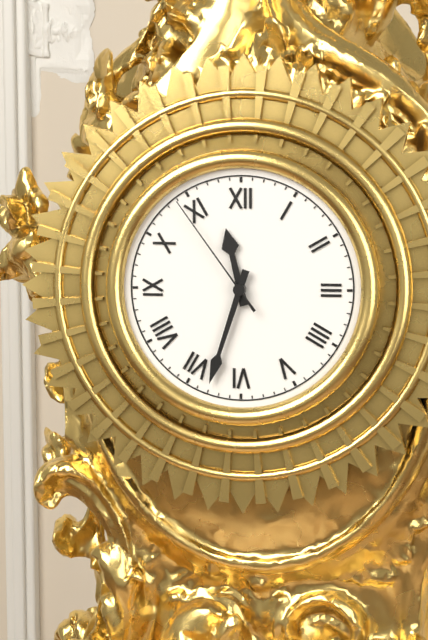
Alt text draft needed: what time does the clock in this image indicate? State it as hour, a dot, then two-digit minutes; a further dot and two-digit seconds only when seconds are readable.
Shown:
11.33.54
